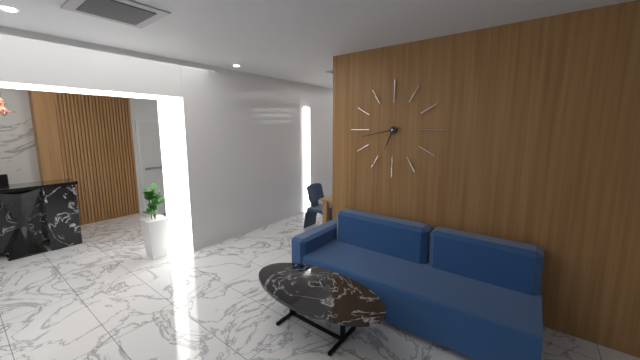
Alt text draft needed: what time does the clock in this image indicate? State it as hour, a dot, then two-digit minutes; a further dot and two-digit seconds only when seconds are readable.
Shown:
6.43
